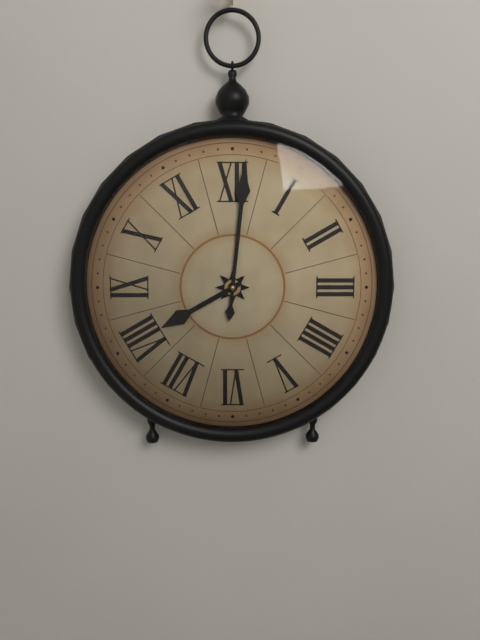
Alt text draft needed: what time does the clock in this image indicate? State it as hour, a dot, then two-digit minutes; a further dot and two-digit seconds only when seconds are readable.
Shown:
8.01
